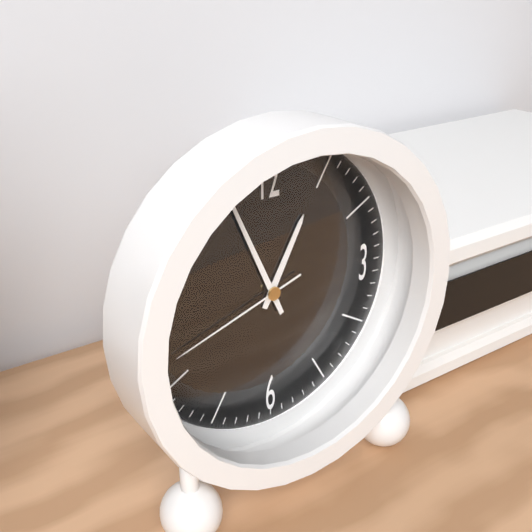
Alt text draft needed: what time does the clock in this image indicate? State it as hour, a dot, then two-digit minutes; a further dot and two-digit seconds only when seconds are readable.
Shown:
12.56.42
